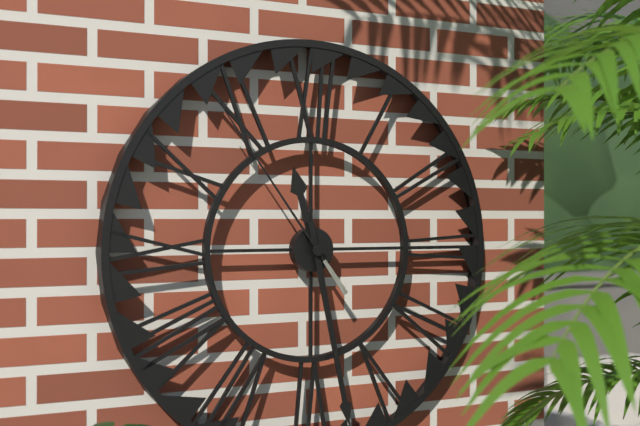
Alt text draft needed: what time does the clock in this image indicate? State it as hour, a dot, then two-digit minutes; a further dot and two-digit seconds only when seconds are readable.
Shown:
11.28.54
